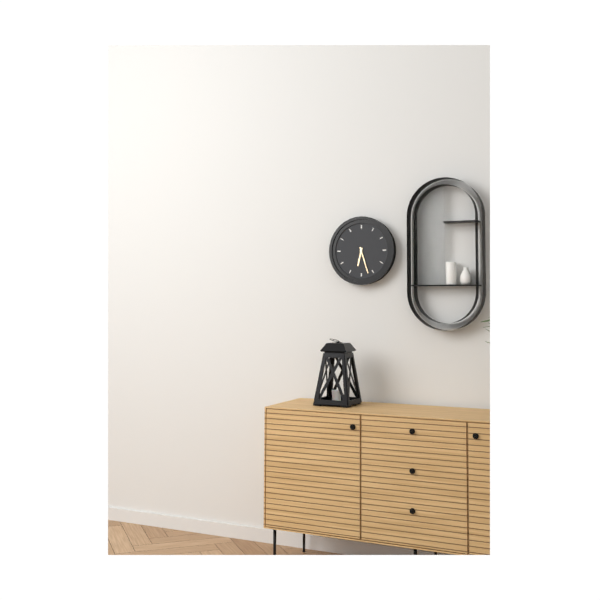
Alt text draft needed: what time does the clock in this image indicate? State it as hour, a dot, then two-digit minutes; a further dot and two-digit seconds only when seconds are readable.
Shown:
6.27
